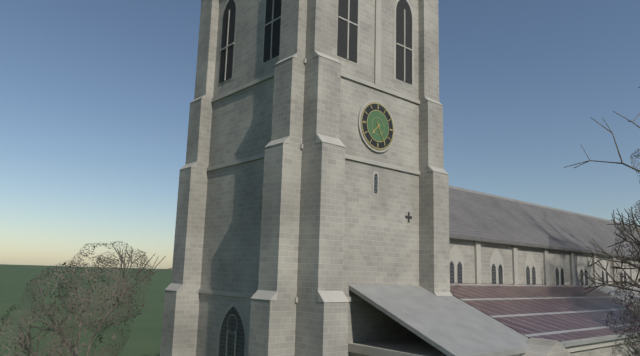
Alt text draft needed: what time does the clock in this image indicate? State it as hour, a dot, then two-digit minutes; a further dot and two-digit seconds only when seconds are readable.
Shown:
7.25
